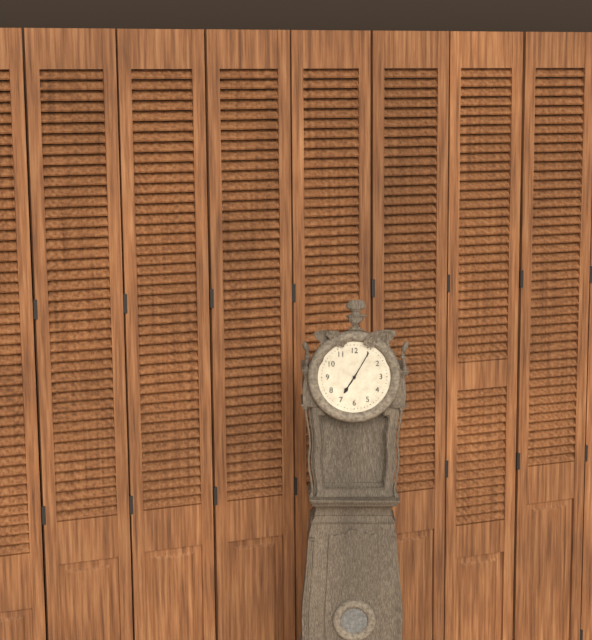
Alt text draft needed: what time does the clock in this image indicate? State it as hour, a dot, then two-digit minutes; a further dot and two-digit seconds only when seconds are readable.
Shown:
7.05
